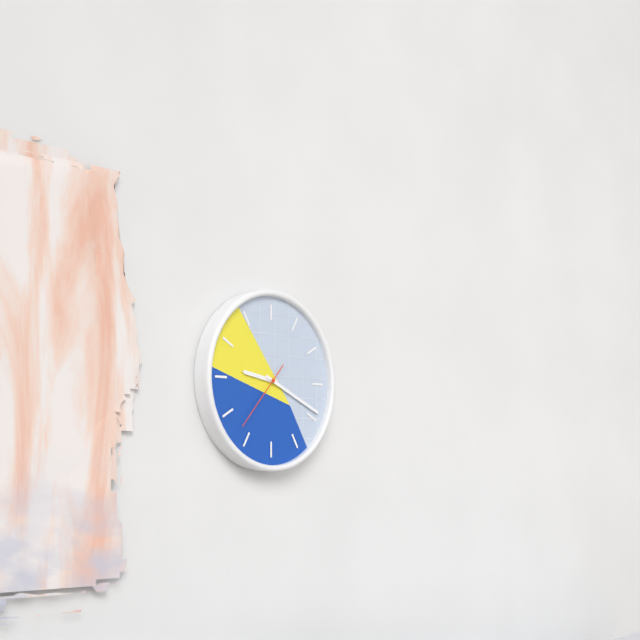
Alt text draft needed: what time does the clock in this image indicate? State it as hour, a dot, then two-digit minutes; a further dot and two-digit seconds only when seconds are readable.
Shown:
9.19.37
